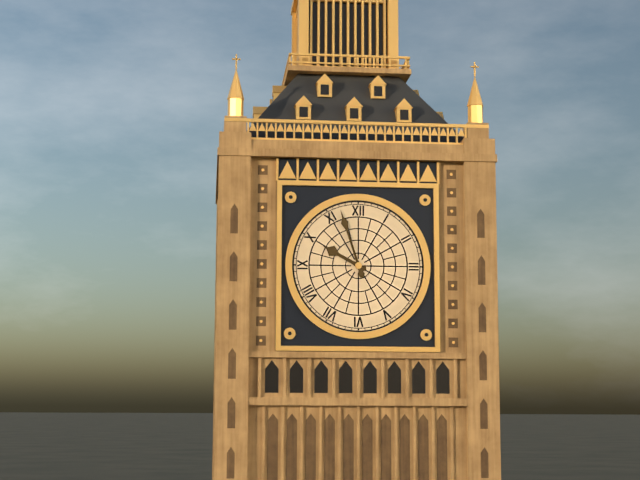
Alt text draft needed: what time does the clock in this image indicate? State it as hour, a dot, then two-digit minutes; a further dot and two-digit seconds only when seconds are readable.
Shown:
9.57
